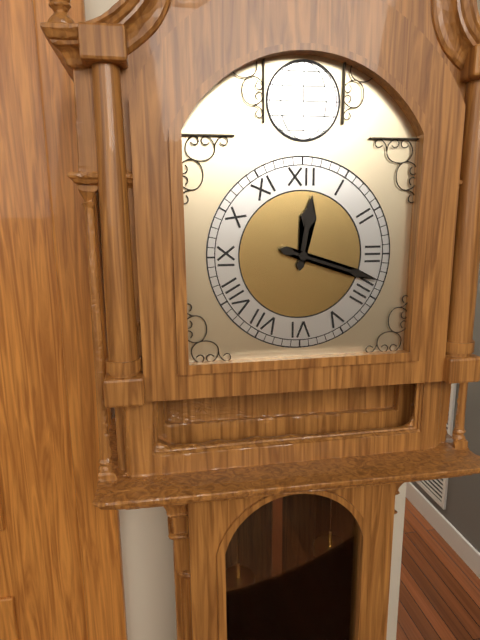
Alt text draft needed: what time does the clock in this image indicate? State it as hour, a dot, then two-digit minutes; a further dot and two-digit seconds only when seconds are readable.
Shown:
12.18
